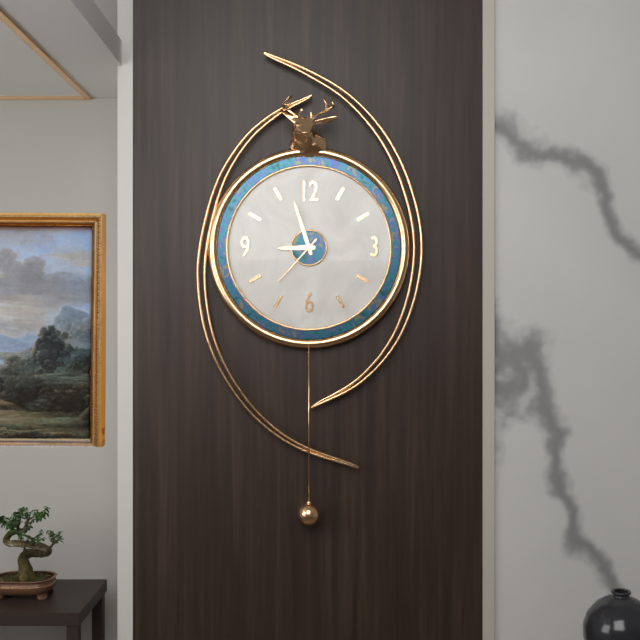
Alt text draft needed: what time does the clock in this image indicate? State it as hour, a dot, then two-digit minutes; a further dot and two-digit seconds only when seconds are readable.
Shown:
8.57.37
